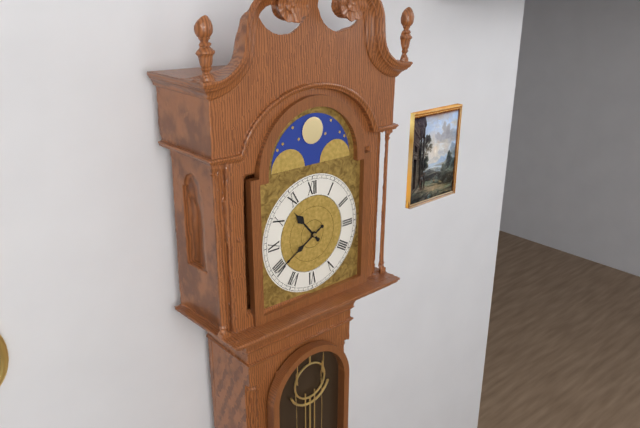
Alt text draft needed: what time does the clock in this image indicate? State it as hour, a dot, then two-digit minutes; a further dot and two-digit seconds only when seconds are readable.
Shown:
10.40
